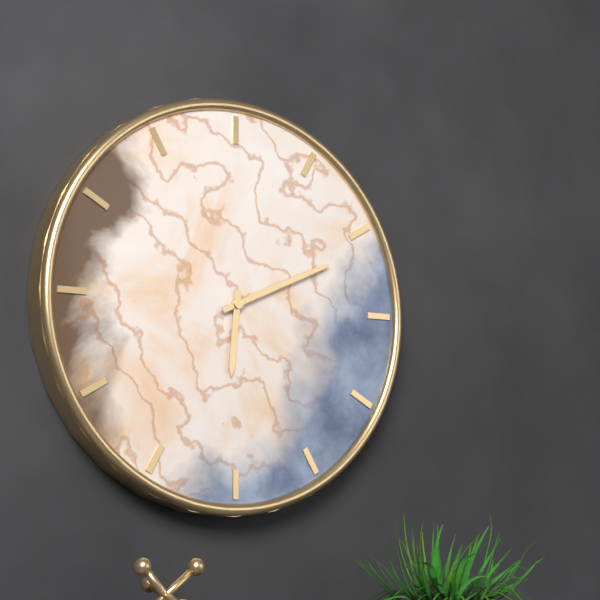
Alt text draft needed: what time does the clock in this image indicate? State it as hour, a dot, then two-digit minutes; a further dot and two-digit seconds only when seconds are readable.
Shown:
6.11
